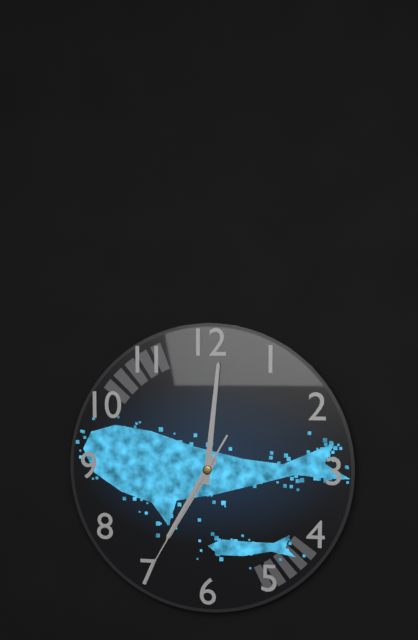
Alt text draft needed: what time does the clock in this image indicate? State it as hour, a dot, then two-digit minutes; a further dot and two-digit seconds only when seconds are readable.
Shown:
7.01.35
